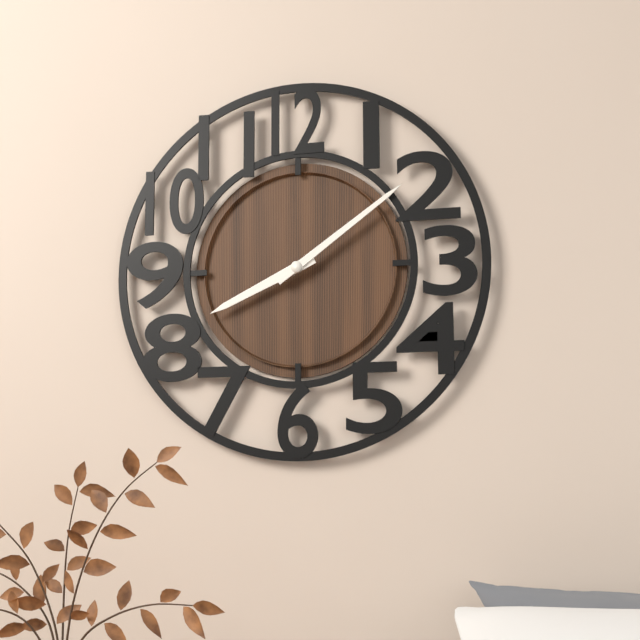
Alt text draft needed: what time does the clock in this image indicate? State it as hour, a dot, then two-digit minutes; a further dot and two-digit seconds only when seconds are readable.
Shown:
8.09
